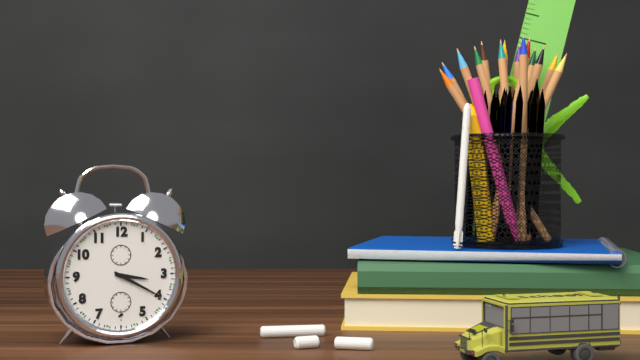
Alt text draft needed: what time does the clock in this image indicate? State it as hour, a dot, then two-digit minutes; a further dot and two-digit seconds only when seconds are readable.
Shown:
3.20
